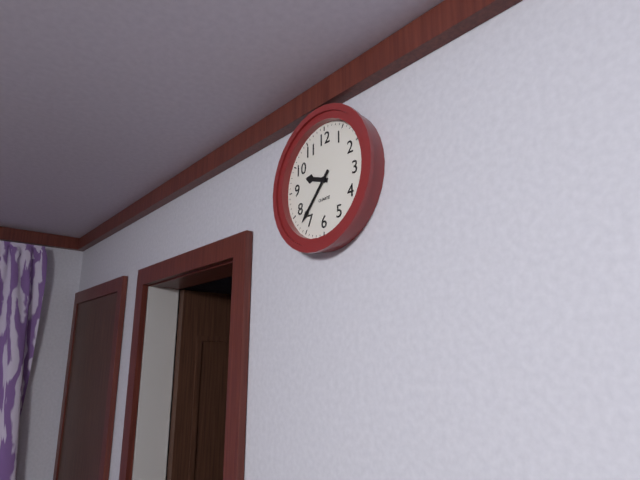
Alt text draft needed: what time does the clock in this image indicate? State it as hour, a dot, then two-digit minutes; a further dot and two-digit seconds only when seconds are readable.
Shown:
9.37
